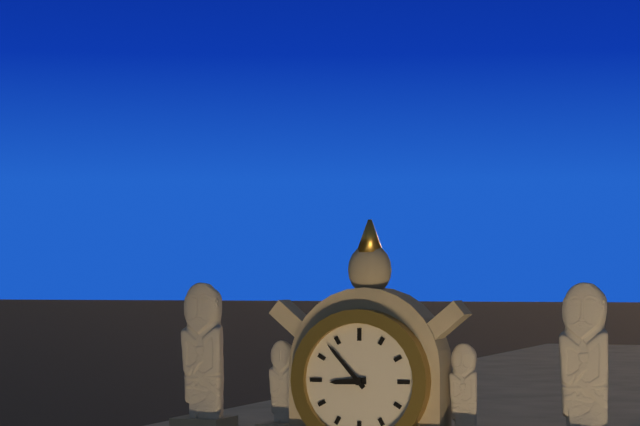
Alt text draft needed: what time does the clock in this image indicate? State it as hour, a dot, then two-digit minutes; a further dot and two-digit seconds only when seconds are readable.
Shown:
8.53
